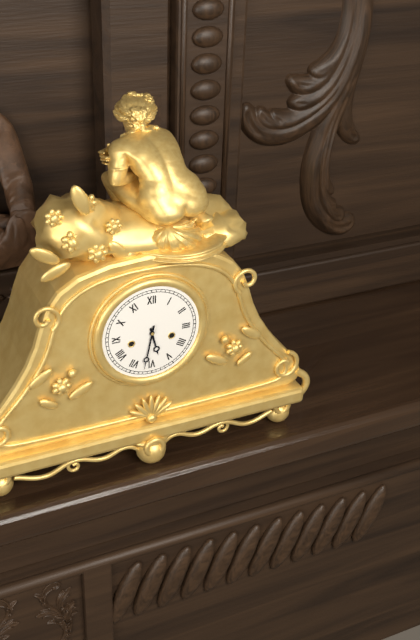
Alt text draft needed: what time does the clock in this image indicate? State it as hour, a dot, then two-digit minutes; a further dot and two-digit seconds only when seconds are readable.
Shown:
5.32
